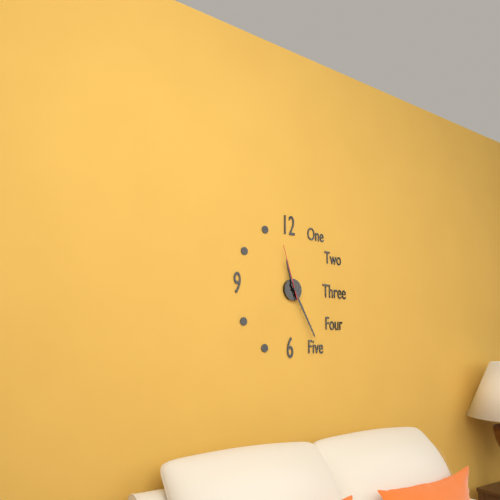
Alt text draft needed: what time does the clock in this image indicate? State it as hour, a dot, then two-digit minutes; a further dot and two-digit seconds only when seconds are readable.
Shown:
11.25.57
